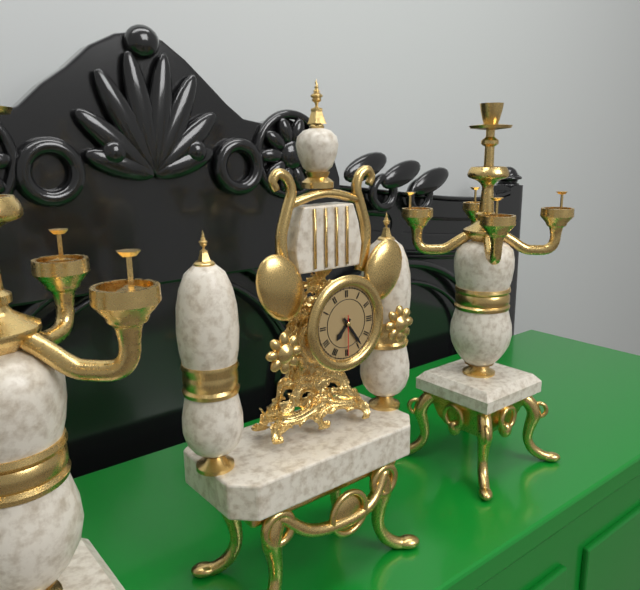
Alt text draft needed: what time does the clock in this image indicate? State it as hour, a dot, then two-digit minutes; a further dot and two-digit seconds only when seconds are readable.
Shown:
7.24
